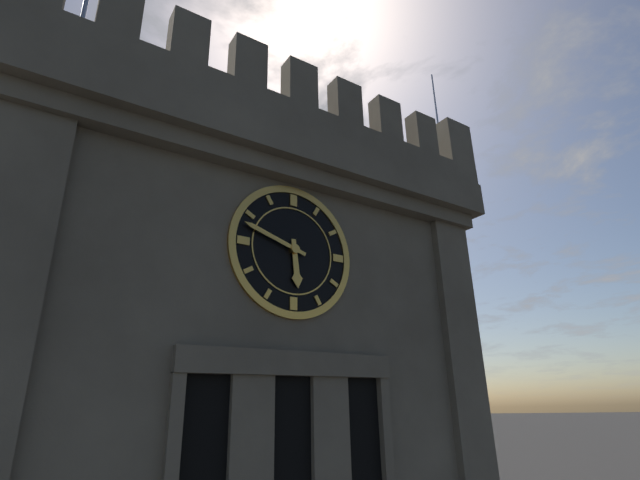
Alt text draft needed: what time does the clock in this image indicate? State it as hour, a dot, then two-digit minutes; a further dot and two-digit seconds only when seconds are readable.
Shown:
5.48
